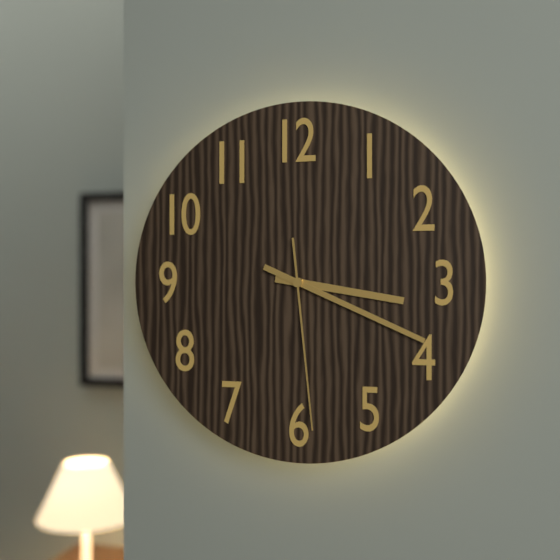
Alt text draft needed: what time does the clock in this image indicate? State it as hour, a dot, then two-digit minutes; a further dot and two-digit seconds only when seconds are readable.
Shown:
3.19.29
